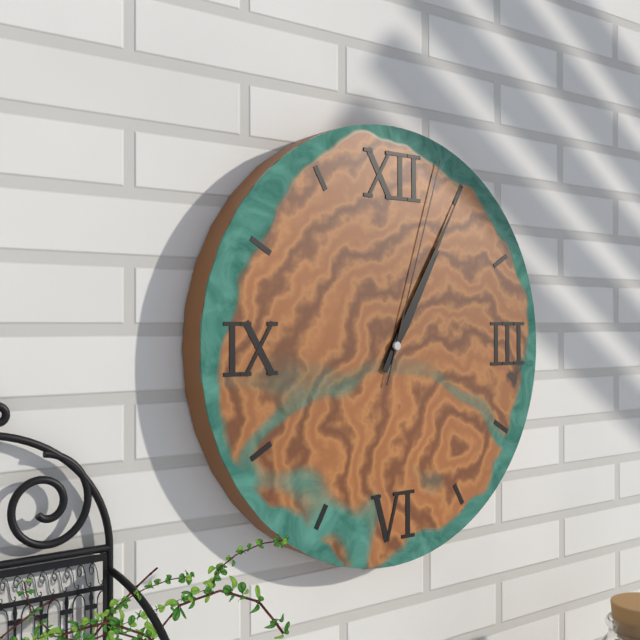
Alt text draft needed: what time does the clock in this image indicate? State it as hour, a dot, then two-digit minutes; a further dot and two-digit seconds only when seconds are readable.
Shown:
1.05.03
